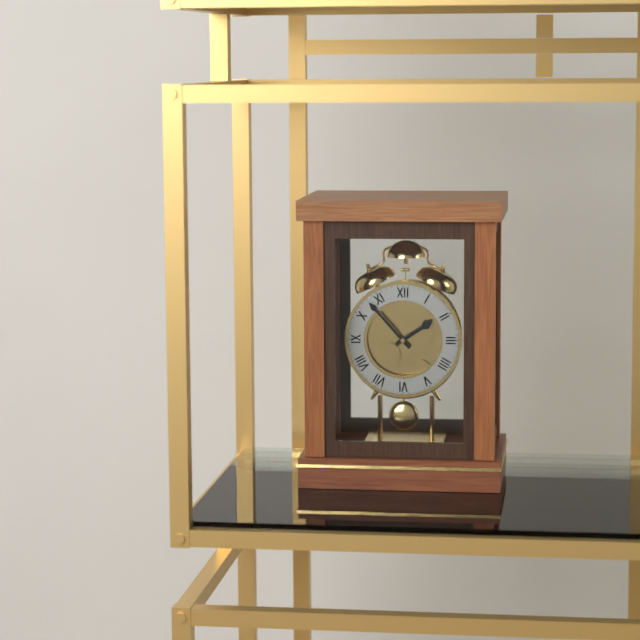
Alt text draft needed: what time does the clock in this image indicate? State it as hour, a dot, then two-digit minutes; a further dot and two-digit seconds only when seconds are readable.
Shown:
1.53
